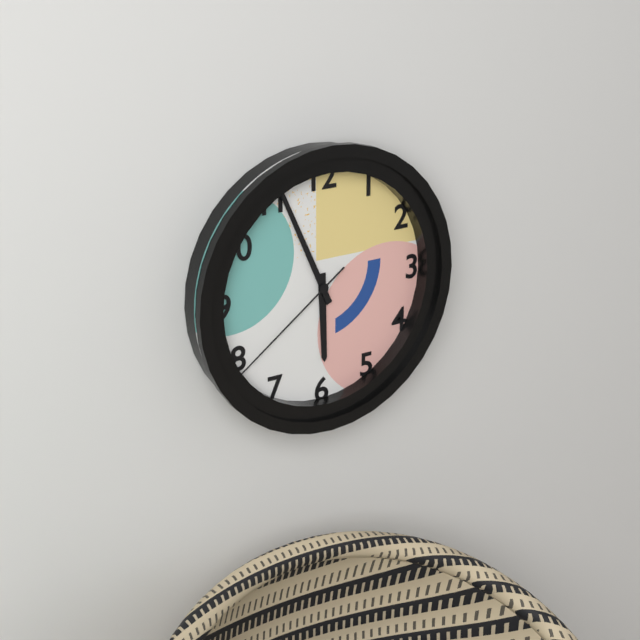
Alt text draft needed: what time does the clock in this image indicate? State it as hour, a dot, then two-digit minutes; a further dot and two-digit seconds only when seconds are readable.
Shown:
5.56.39
